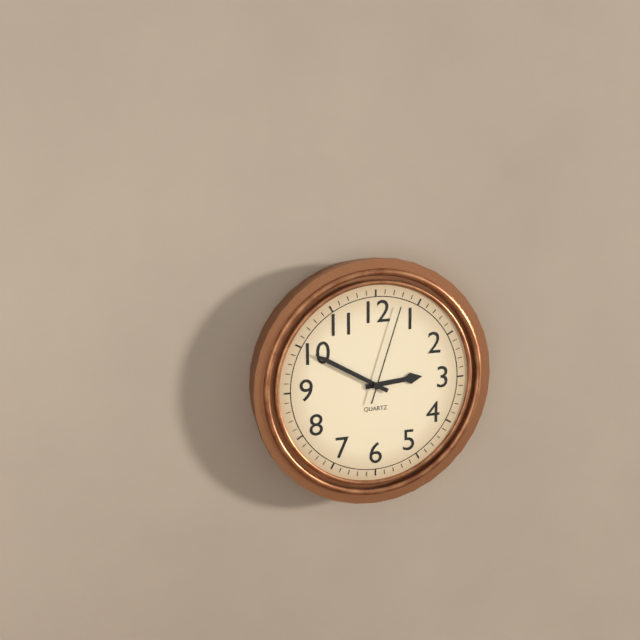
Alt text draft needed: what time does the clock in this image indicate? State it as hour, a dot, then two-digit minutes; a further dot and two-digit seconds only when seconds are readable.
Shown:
2.50.03
